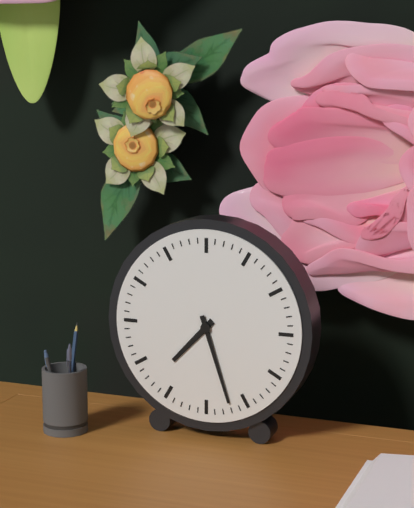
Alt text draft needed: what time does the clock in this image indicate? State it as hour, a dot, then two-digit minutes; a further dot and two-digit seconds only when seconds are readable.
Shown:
7.27
